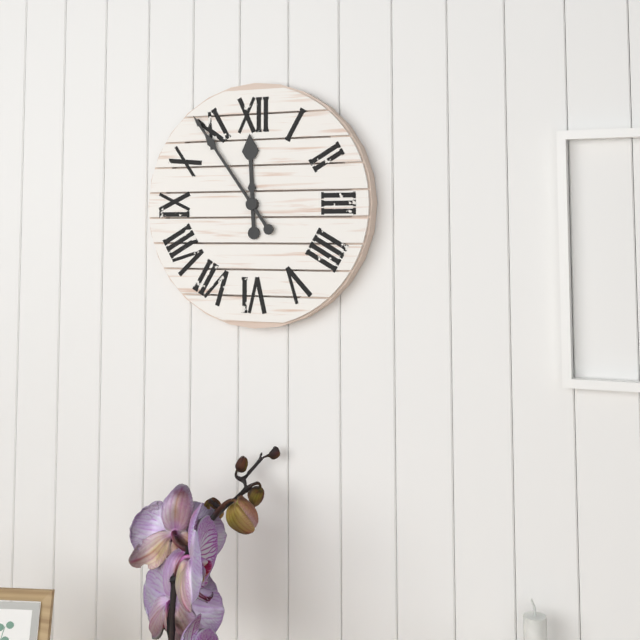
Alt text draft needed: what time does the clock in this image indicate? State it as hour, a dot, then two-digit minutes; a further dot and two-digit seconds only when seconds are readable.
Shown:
11.54
